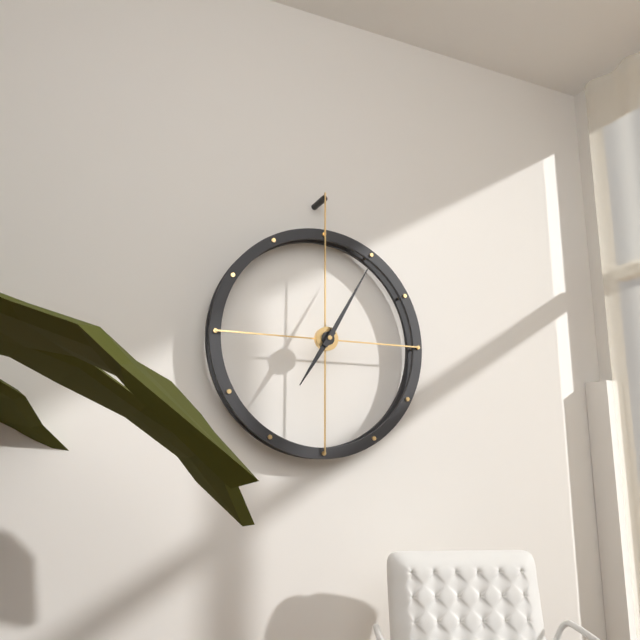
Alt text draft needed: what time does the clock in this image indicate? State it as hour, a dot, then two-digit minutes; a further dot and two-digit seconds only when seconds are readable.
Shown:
7.05
